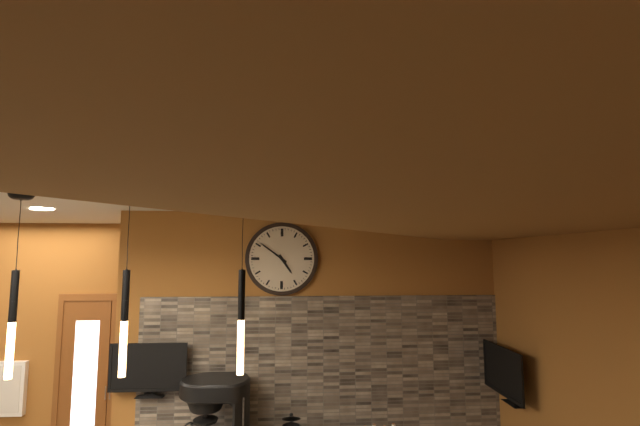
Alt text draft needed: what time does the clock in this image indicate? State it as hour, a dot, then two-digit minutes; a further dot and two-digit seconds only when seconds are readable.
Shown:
4.51
